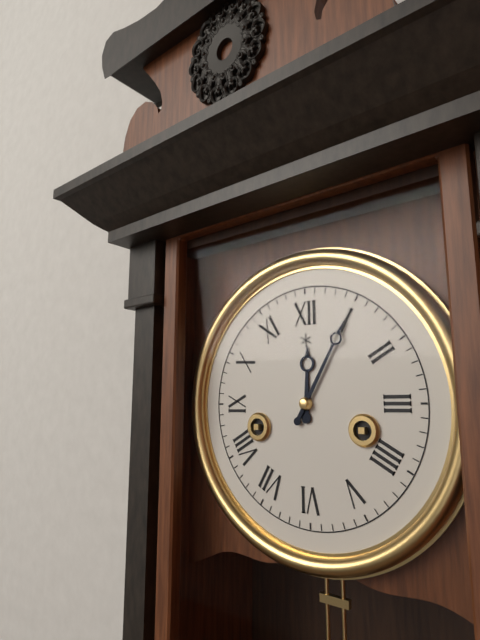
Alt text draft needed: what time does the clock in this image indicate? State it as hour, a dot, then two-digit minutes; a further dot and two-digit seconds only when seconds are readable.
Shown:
12.05
